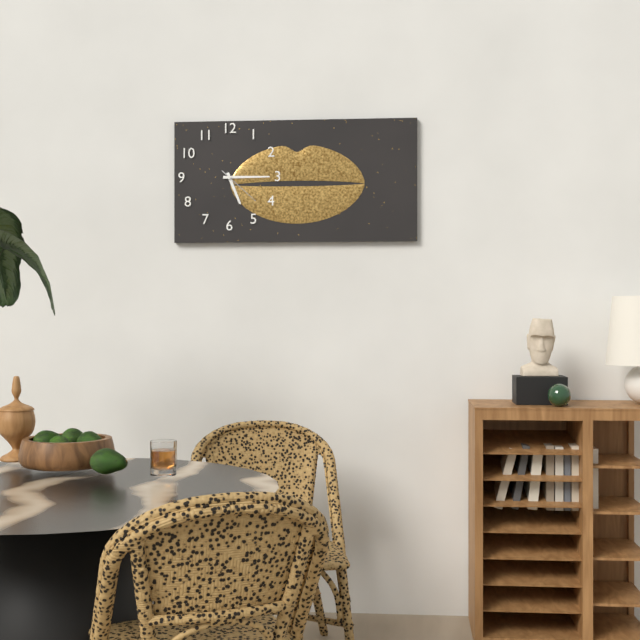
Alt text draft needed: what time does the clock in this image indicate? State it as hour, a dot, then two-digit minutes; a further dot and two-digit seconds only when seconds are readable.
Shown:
5.15
